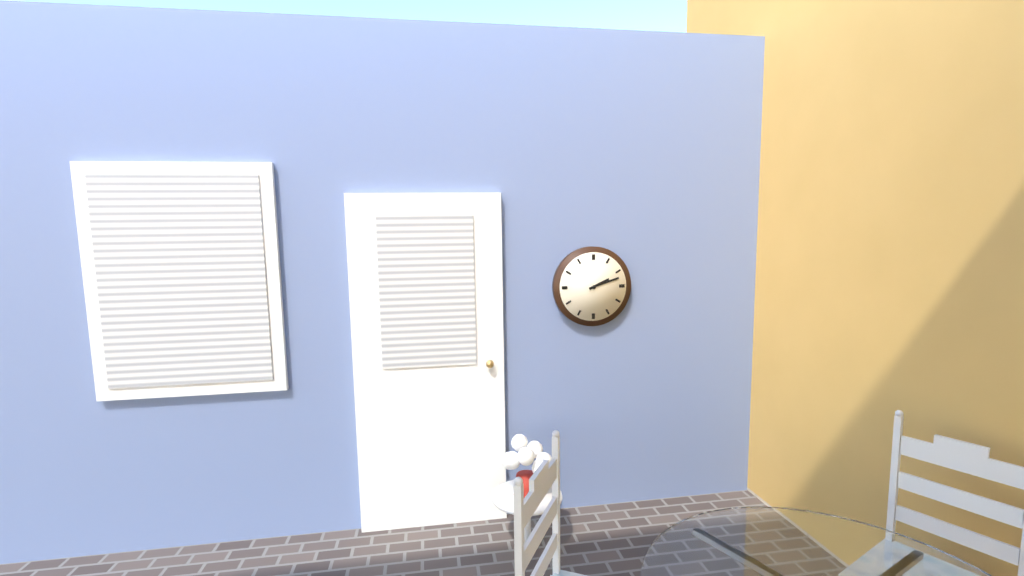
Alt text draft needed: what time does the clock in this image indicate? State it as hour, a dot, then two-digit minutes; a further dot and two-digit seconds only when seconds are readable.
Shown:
2.12
